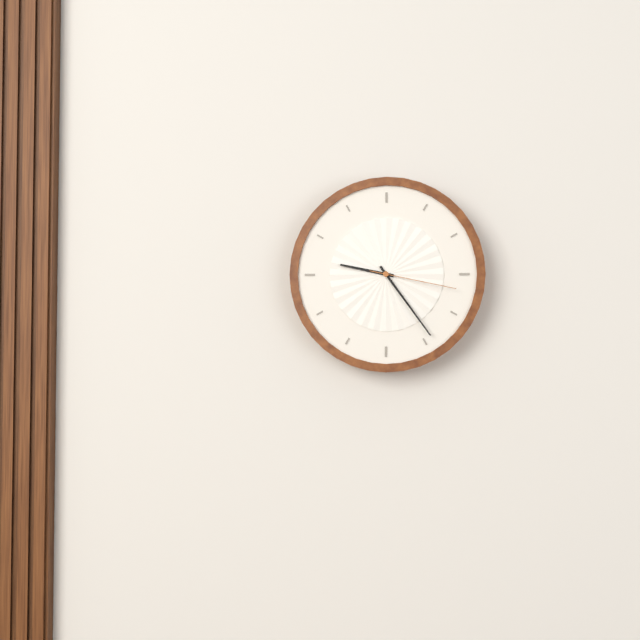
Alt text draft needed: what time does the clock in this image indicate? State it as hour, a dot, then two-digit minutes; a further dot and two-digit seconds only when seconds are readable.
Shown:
9.24.17
